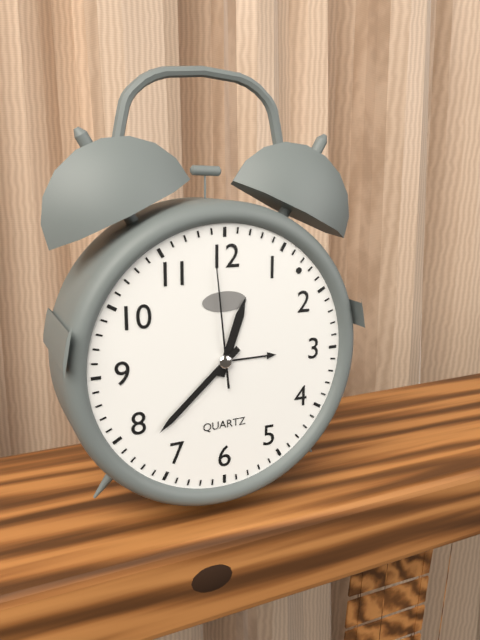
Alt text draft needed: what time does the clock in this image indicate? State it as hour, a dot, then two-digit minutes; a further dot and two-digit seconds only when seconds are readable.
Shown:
12.38.59
